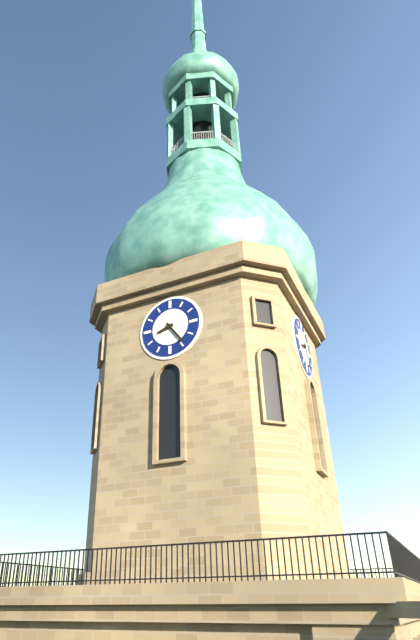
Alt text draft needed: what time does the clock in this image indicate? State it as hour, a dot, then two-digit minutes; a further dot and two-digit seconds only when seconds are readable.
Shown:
8.24
